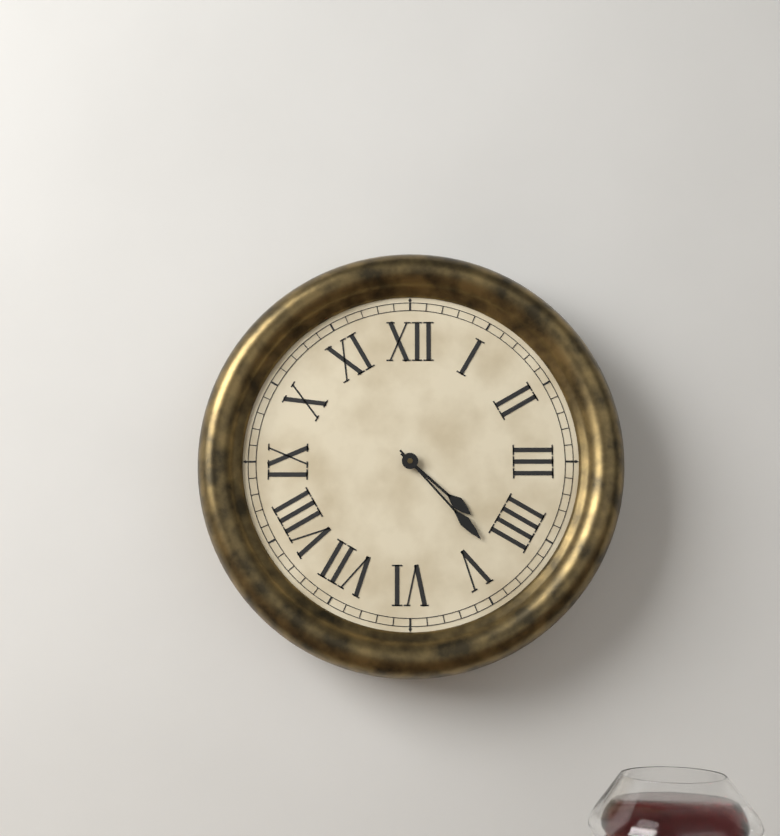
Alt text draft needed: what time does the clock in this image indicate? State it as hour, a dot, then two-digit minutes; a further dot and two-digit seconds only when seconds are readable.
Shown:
4.23
